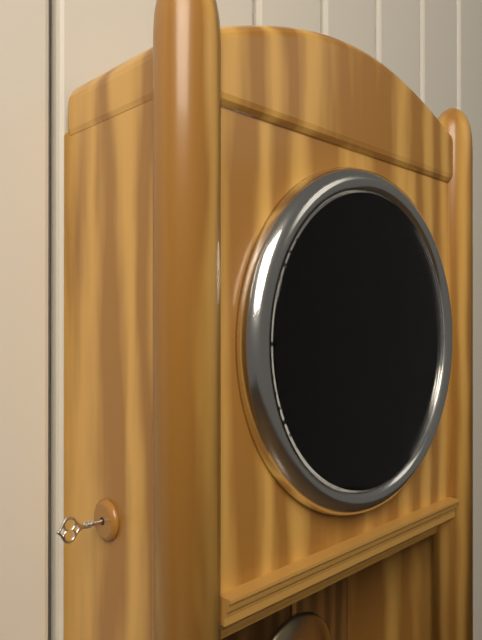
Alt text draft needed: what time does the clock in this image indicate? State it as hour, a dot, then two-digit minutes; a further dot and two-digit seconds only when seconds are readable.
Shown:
12.24
